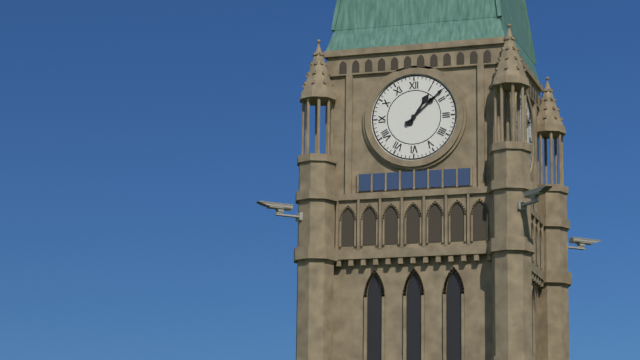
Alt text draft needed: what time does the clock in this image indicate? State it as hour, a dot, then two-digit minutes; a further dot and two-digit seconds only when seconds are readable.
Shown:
1.08
